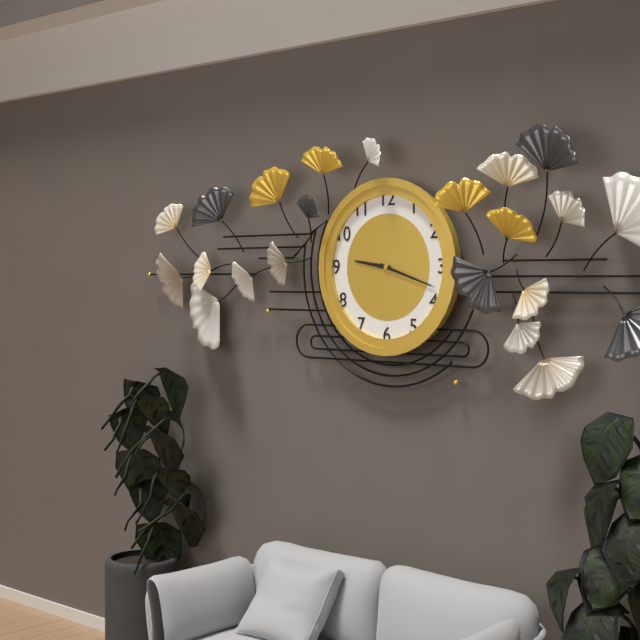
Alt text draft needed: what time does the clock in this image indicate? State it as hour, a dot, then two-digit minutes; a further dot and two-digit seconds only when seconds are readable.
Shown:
9.18
